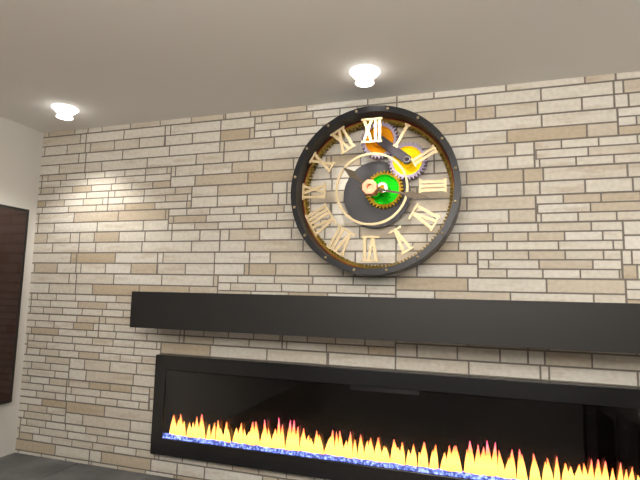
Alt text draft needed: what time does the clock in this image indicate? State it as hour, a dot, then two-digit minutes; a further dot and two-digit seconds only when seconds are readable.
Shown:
10.17
